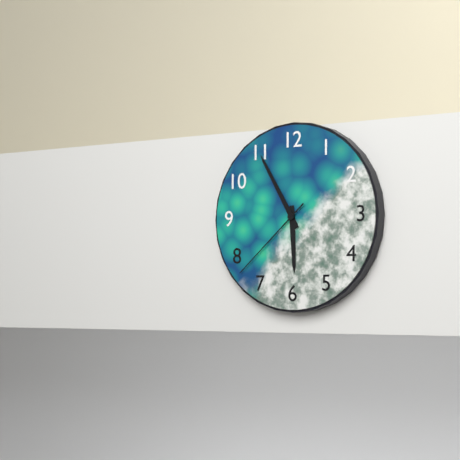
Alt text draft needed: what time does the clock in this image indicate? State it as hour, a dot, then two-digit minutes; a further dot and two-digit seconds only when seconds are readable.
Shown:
5.55.38
